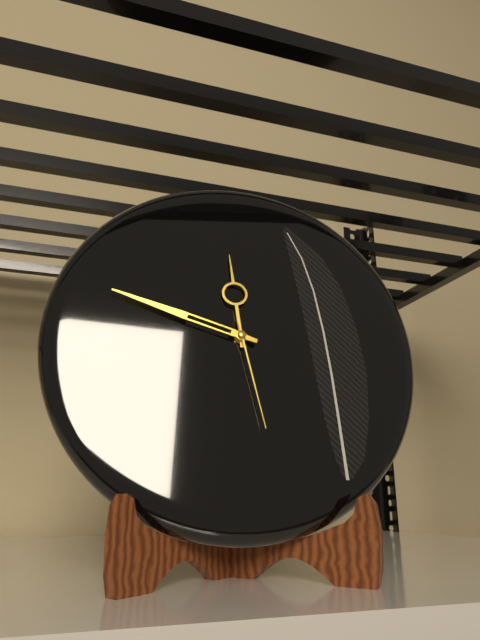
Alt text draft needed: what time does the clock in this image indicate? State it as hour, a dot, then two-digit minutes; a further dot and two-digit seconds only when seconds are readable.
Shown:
11.48.28
